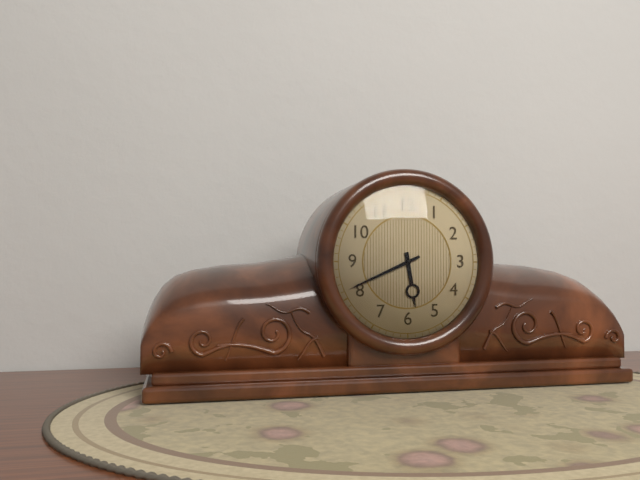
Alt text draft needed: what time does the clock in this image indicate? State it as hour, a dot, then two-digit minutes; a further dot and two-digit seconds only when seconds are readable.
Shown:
5.41
